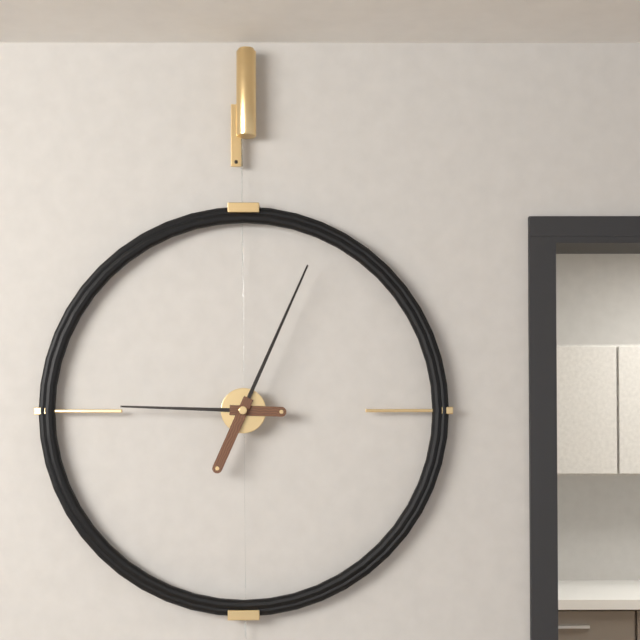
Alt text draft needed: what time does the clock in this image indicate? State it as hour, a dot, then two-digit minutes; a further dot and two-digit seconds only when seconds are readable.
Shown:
9.04
